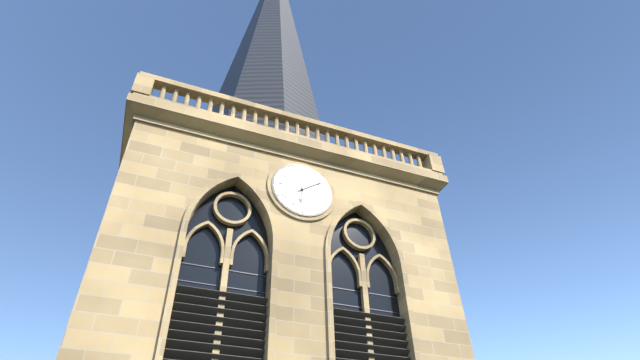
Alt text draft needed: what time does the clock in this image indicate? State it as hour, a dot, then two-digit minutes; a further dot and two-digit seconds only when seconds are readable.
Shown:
6.09
